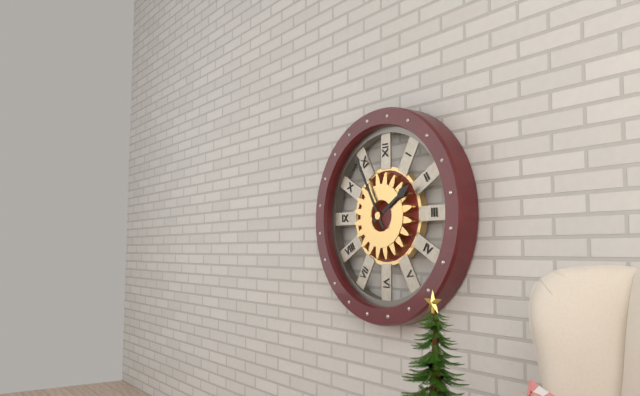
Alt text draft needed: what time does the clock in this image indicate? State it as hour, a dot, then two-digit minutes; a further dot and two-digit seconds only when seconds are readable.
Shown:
1.55
